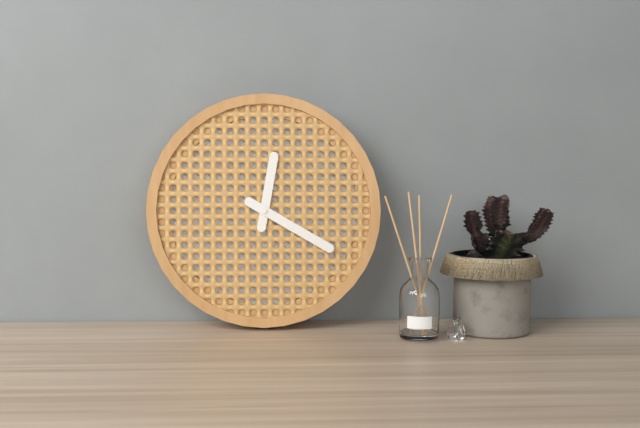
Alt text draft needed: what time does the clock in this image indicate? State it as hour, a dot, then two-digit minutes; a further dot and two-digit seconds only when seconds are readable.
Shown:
12.20
